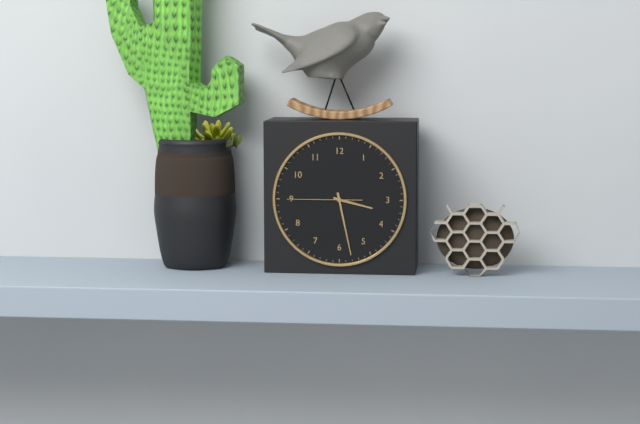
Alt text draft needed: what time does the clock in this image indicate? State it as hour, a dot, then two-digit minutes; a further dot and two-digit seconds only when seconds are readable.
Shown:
3.28.45
